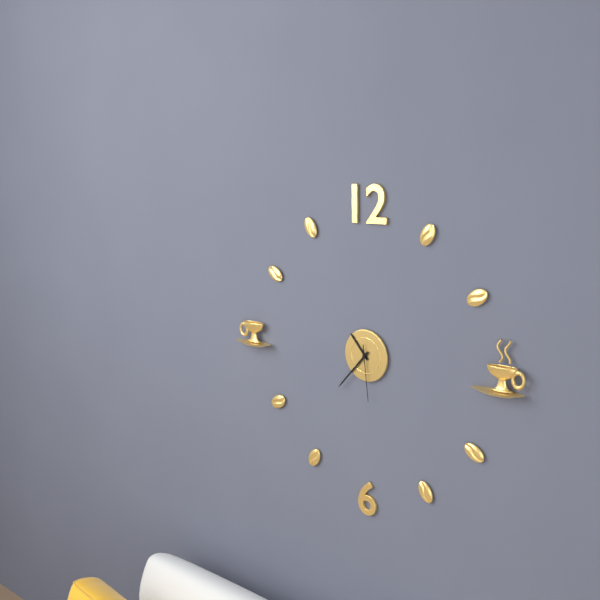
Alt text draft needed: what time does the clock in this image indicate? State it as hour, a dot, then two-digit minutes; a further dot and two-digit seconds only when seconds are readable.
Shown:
10.37.29
